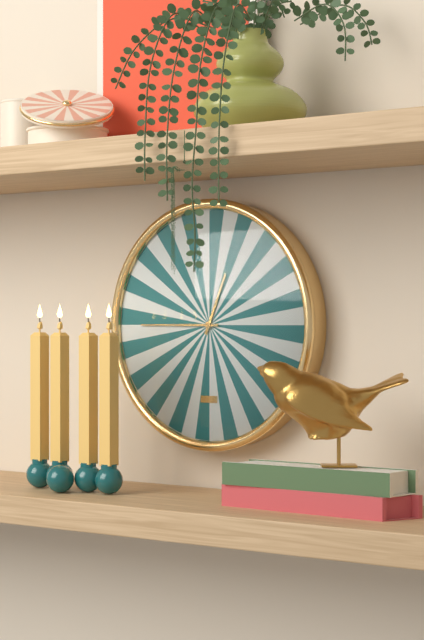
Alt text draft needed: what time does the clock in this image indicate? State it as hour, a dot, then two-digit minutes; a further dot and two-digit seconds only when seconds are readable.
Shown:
12.45
